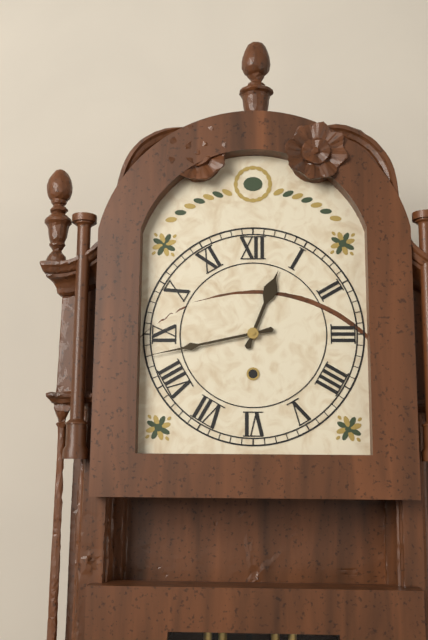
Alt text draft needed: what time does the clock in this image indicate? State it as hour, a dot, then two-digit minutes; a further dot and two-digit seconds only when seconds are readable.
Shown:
12.43
